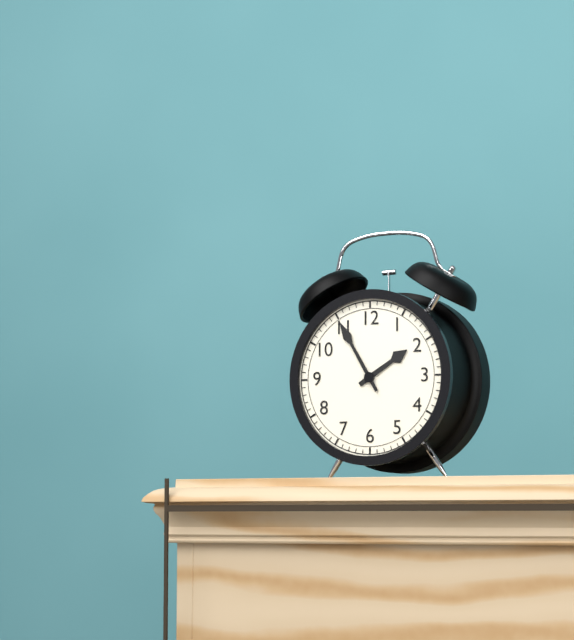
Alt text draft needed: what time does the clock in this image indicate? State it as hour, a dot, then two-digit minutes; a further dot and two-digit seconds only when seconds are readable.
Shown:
1.55
